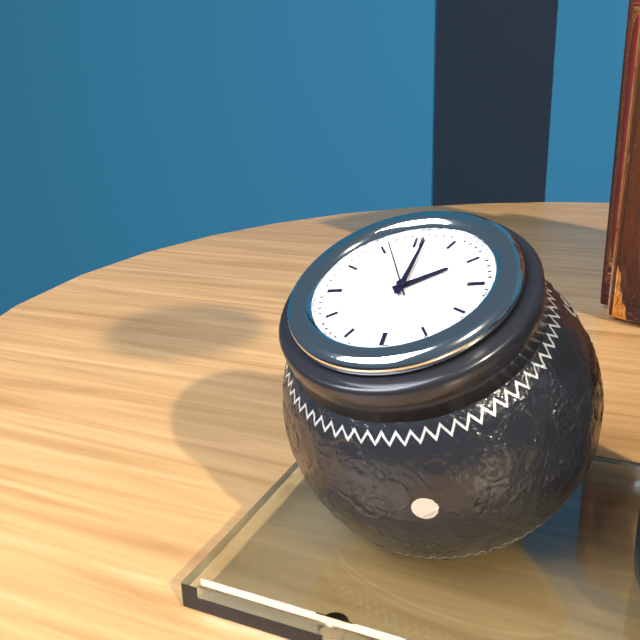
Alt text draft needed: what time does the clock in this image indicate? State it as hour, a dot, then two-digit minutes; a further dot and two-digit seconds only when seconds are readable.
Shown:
2.01.56
